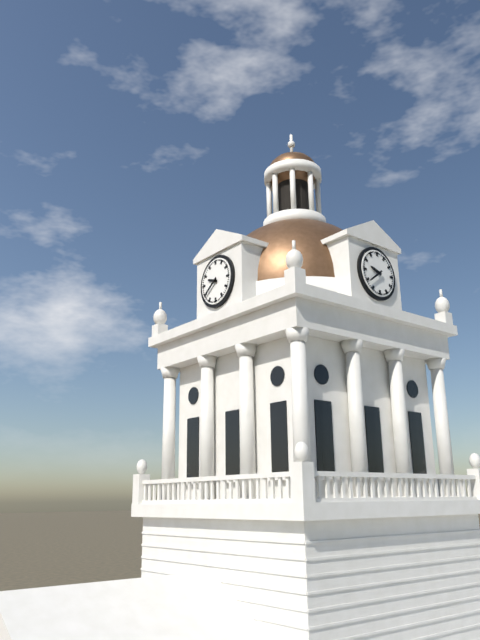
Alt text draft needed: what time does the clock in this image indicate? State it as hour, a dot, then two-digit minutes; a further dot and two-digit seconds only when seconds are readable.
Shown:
9.39
